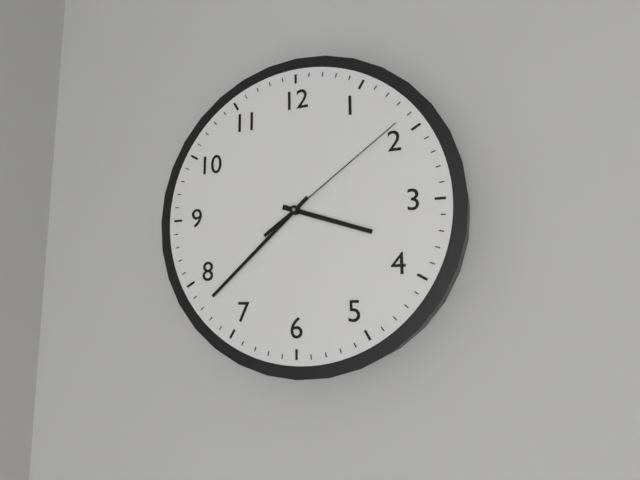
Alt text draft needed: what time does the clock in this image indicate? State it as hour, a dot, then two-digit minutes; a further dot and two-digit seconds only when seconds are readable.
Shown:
3.38.09
